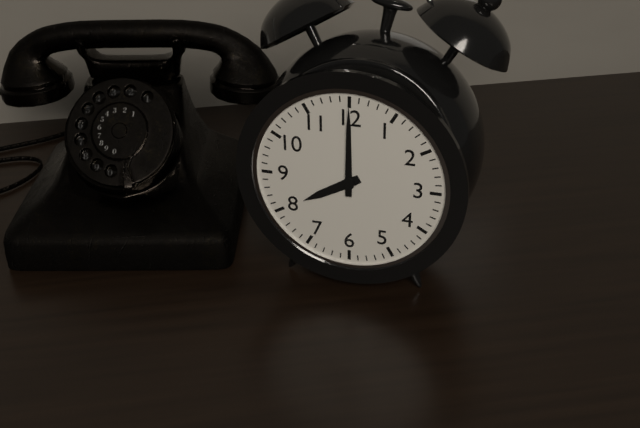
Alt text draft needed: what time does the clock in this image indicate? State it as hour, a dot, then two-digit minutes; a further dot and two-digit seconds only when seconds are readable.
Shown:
8.00
